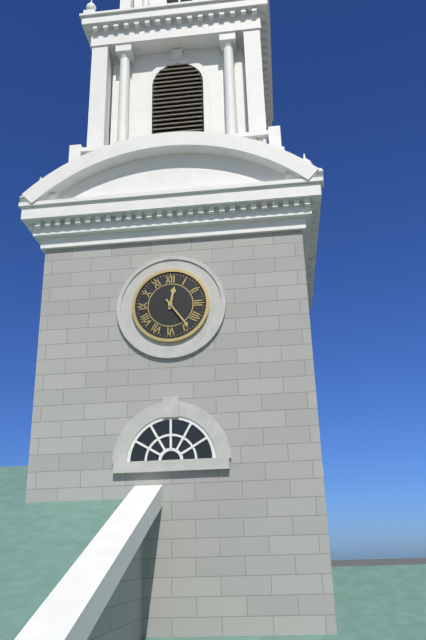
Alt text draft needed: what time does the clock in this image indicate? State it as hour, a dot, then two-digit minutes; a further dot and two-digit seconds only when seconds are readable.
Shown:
12.24
